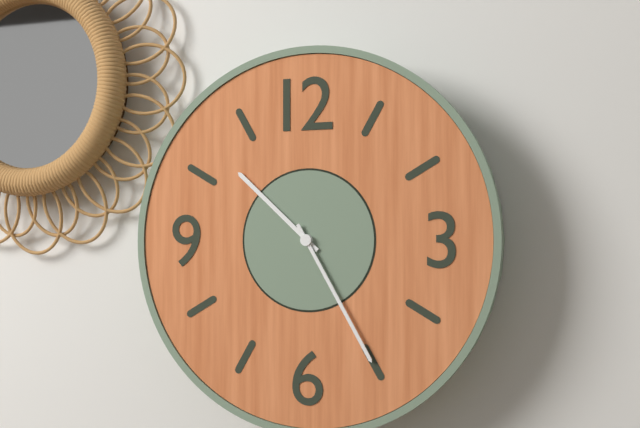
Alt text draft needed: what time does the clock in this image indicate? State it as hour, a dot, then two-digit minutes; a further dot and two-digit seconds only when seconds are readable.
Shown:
10.25
